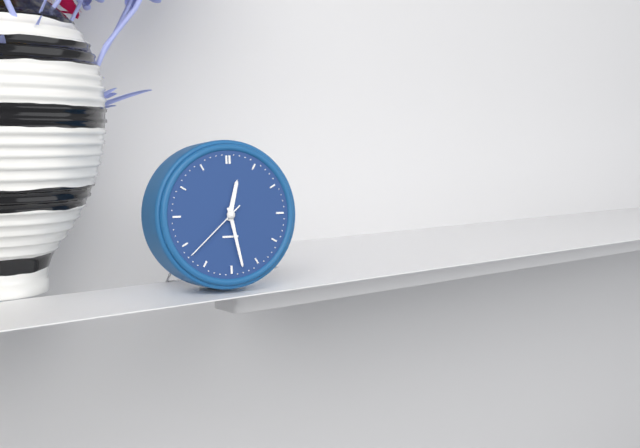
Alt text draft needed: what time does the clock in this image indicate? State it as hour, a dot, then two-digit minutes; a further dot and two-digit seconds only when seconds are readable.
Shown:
12.28.38
